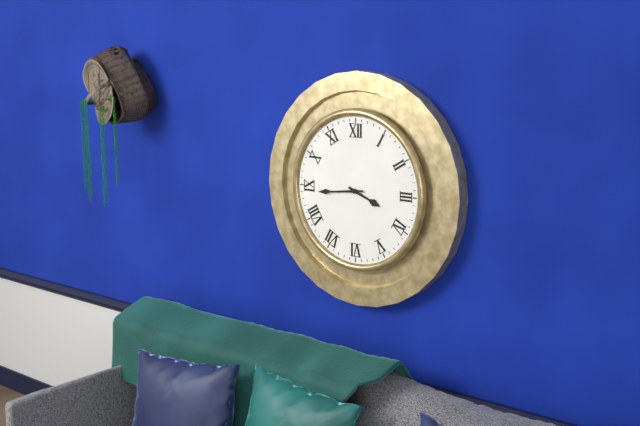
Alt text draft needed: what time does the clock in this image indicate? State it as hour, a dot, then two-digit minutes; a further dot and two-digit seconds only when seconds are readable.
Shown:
3.44
